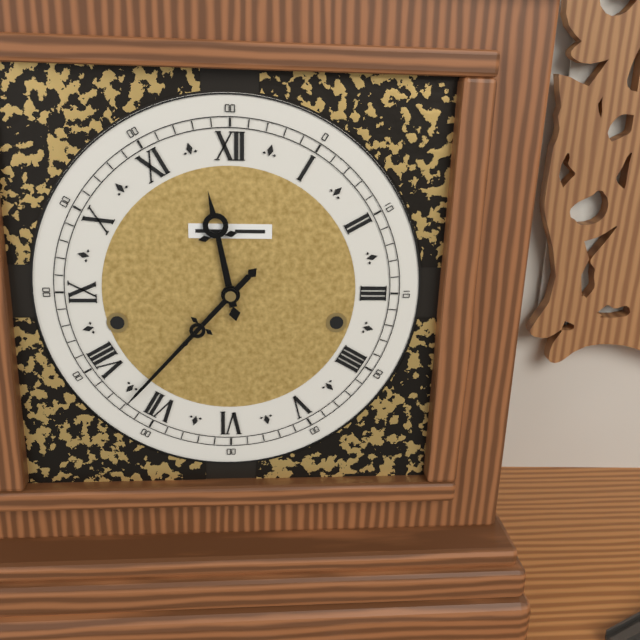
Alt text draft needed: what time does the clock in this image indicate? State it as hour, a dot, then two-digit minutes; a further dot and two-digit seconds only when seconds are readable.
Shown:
11.37
